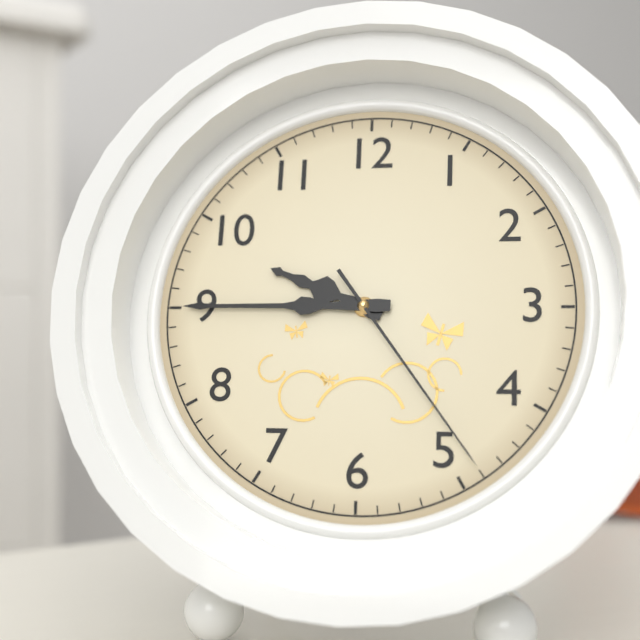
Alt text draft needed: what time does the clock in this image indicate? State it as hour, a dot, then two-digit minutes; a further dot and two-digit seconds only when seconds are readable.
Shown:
9.45.24
